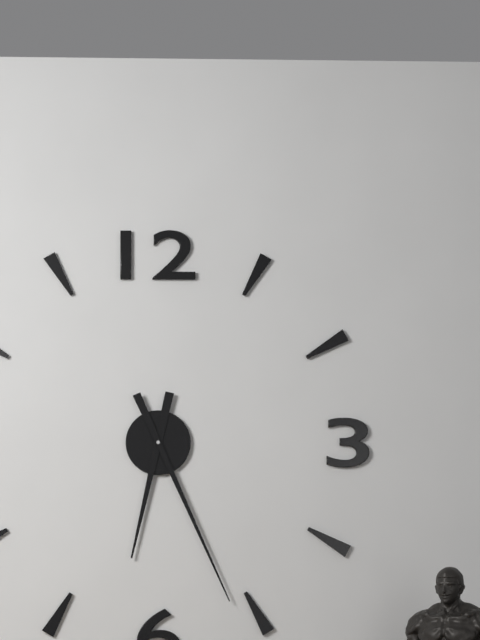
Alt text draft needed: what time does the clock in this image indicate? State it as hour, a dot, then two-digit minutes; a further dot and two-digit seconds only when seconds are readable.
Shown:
6.26
